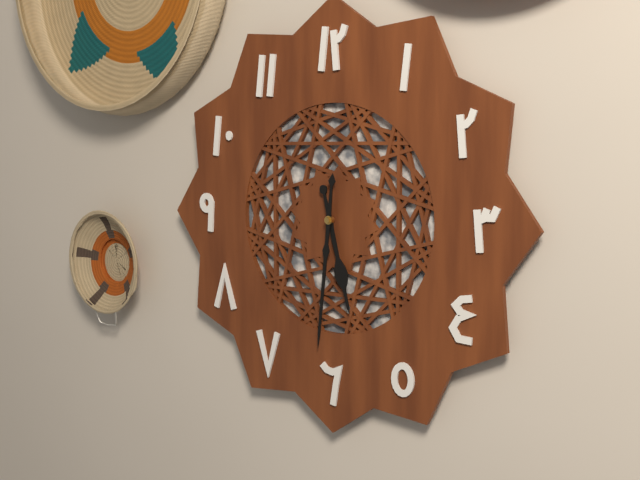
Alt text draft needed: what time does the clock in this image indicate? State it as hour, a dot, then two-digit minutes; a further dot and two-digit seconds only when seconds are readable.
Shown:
5.31
